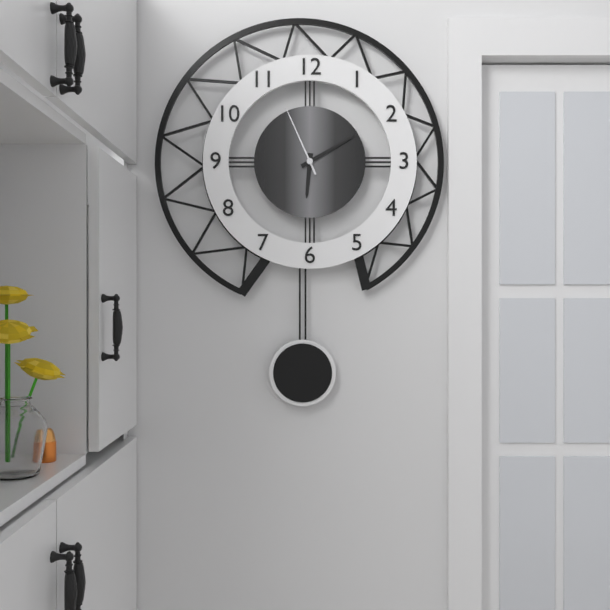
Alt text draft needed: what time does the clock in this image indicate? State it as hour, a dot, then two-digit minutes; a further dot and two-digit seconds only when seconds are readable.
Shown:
6.10.56
